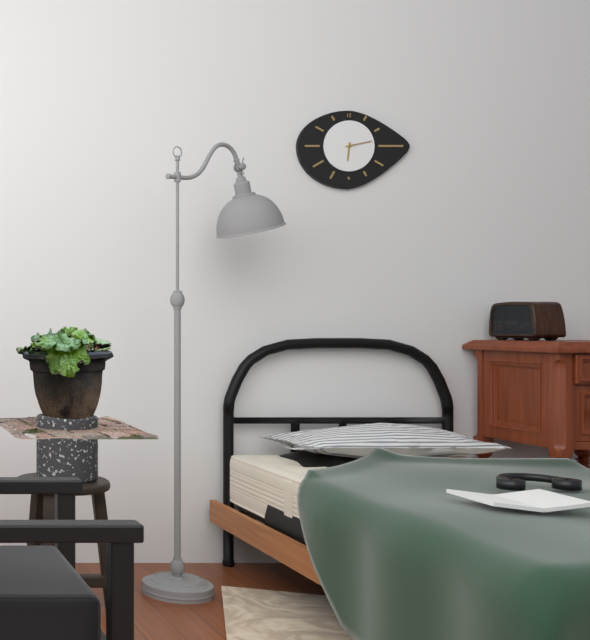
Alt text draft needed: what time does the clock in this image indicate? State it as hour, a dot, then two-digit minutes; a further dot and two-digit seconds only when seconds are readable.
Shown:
6.13
